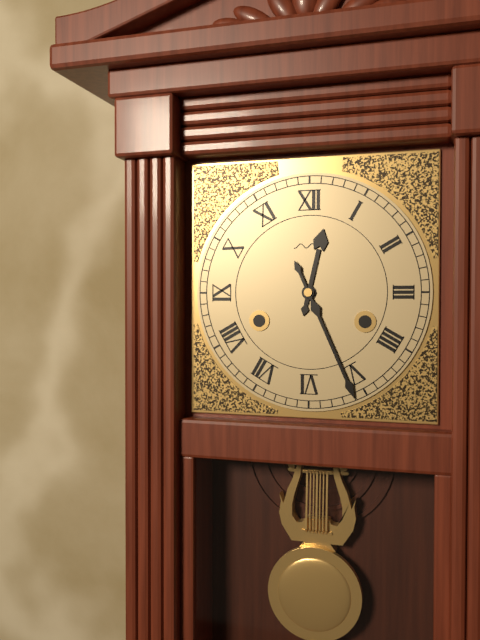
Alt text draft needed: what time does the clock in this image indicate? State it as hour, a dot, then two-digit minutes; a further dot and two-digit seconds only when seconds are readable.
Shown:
12.26
